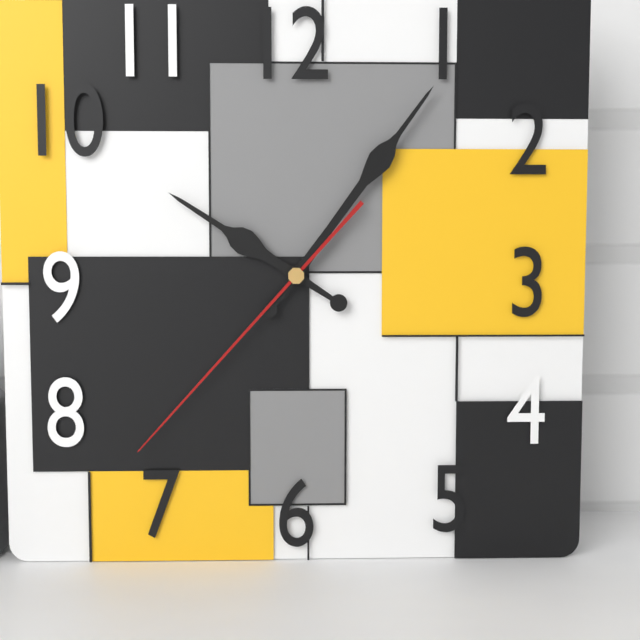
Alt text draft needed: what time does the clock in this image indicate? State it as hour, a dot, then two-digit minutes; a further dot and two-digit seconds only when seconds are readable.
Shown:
10.06.37
